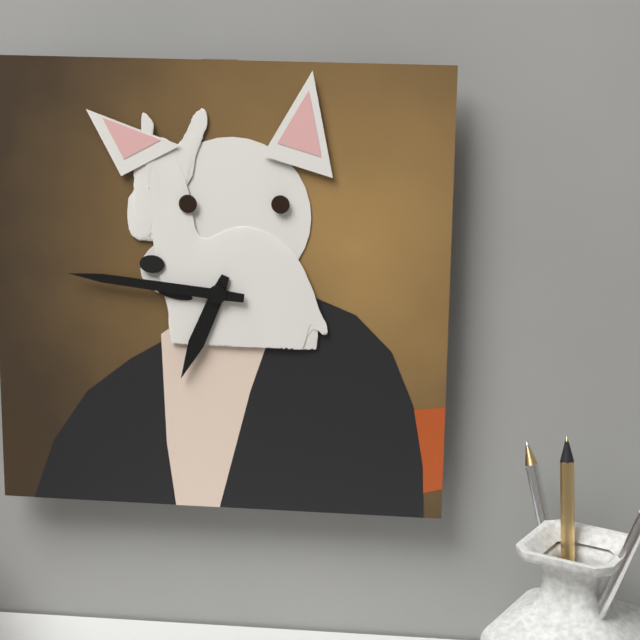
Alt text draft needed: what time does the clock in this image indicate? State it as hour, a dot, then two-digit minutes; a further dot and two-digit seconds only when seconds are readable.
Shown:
6.46
